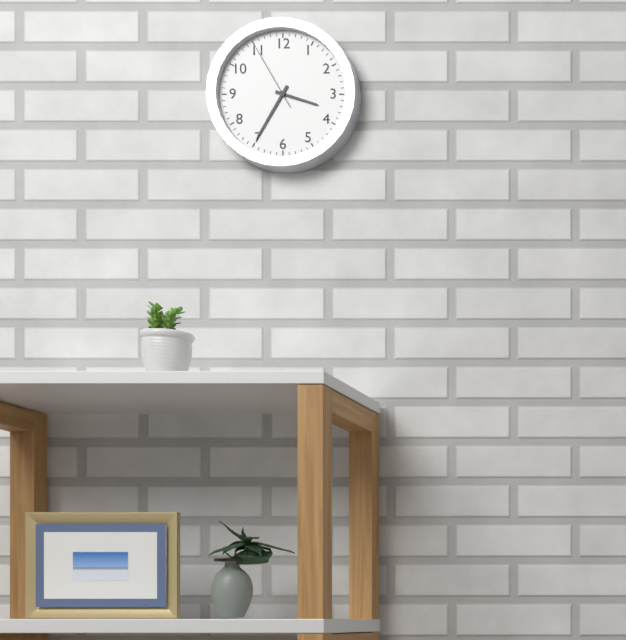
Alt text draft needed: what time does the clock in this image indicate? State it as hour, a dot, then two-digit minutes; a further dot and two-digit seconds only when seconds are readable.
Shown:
3.35.55
